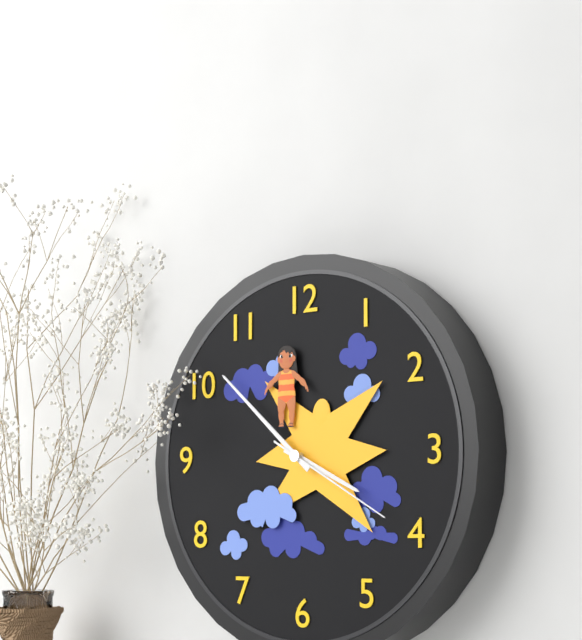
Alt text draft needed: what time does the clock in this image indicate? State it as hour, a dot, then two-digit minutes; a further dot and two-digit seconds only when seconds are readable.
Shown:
3.52.20
